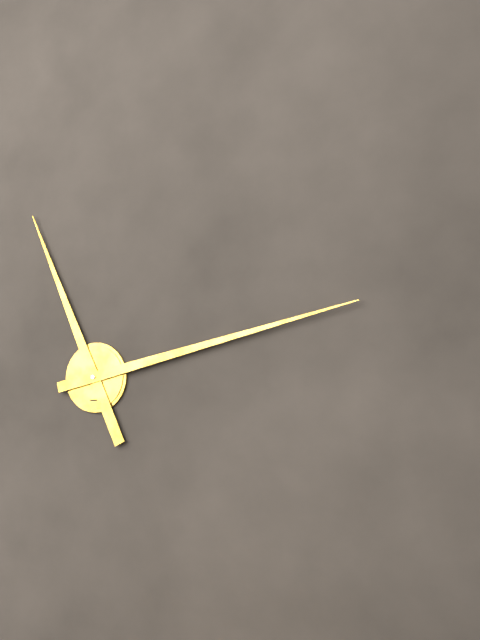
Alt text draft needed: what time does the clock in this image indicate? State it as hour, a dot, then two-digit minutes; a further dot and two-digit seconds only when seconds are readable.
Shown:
11.13
